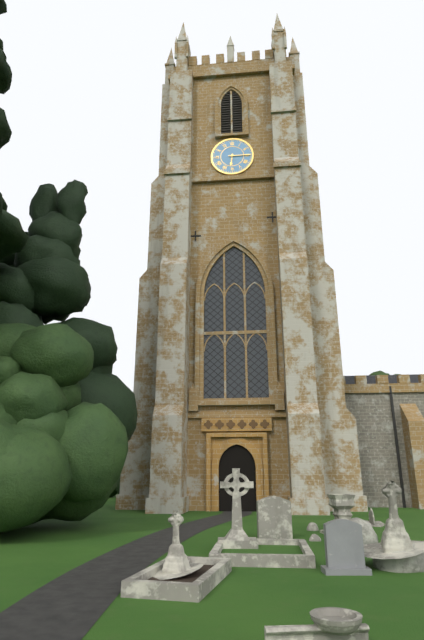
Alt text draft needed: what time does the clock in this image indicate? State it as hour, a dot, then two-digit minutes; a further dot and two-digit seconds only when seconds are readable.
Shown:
6.15
